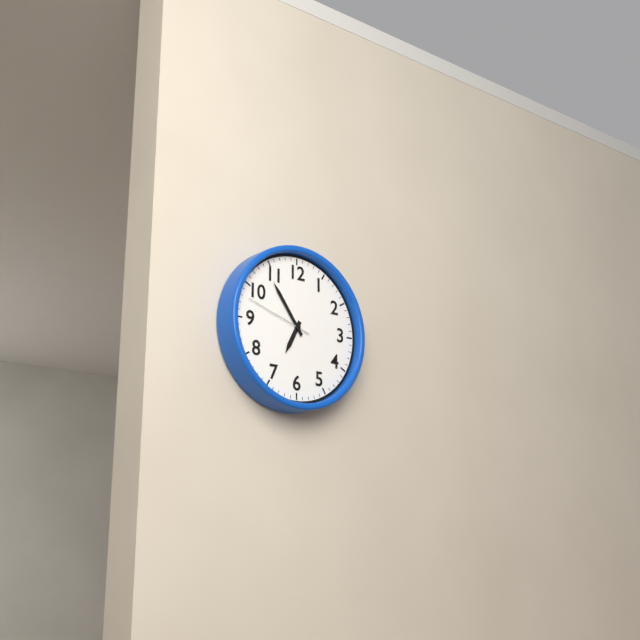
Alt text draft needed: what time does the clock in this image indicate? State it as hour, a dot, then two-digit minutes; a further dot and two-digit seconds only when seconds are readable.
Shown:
6.54.48
